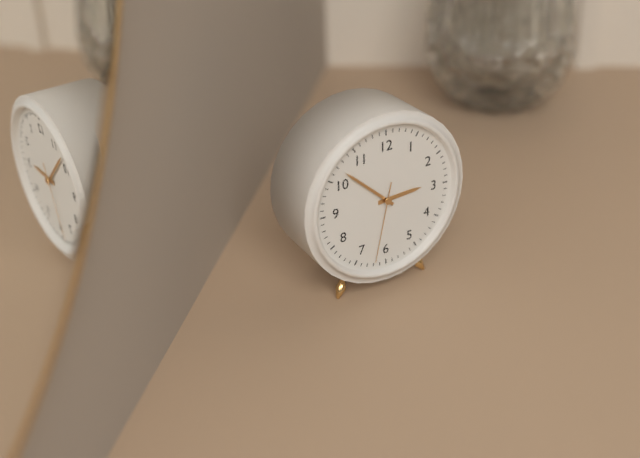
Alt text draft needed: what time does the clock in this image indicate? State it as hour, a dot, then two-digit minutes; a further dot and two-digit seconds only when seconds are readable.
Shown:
2.52.32
